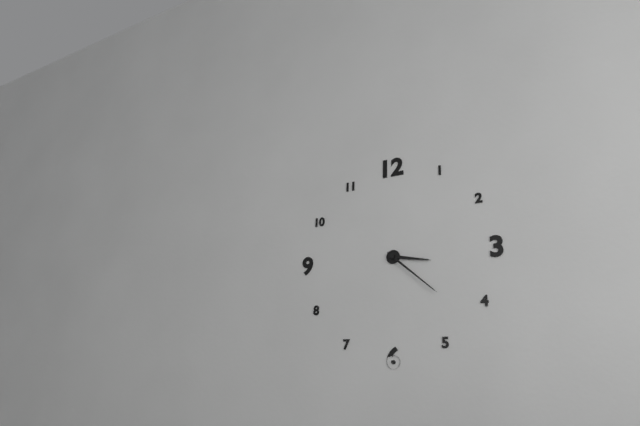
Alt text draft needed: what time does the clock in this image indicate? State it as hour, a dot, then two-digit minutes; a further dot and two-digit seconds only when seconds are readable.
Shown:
3.22
